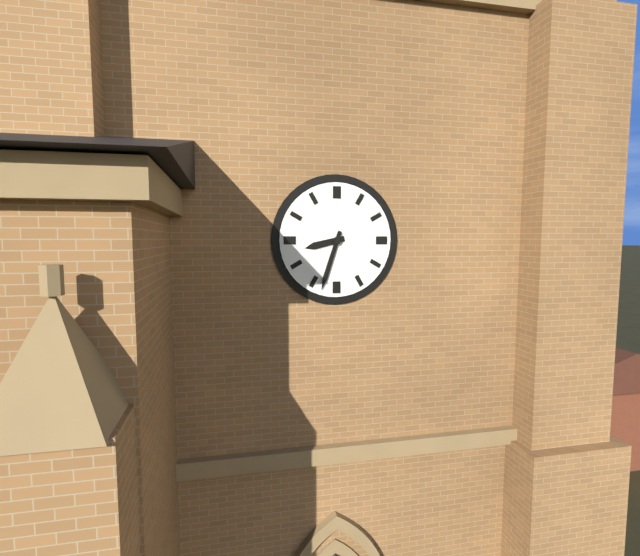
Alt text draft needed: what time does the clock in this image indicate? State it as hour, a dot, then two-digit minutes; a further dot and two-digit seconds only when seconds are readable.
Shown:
8.33
